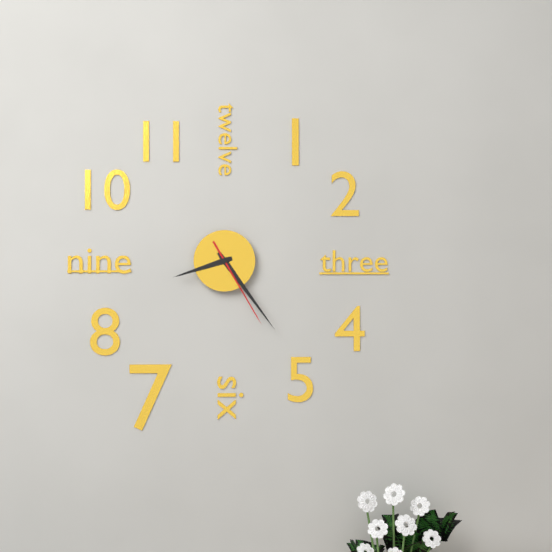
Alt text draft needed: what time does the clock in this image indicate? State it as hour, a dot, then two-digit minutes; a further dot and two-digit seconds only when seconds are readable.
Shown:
8.24.25
